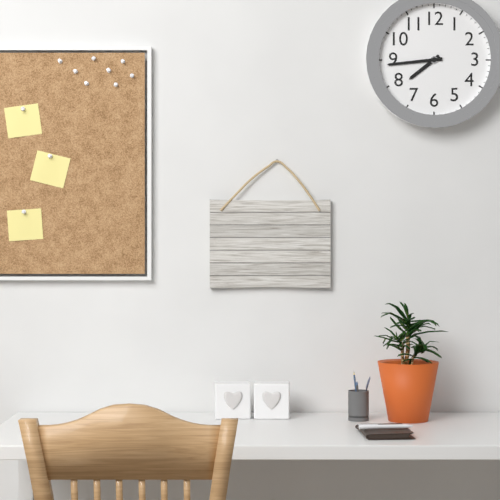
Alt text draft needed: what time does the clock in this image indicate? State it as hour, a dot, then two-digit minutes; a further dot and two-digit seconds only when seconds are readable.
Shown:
7.44
